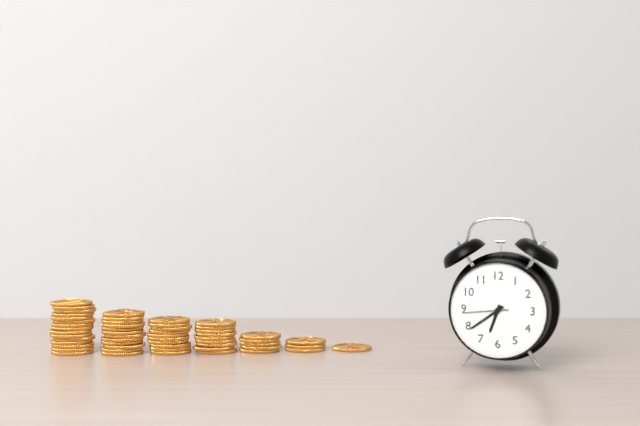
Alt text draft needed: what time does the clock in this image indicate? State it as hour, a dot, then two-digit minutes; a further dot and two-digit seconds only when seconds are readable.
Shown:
6.39
